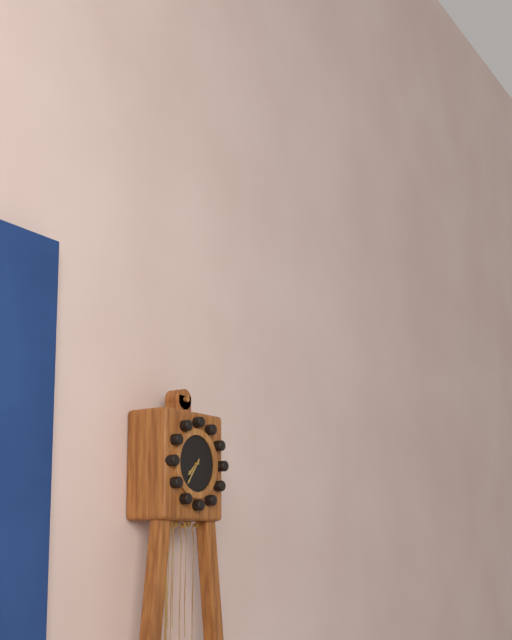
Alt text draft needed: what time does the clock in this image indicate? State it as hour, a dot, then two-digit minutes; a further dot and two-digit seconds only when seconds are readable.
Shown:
7.36
